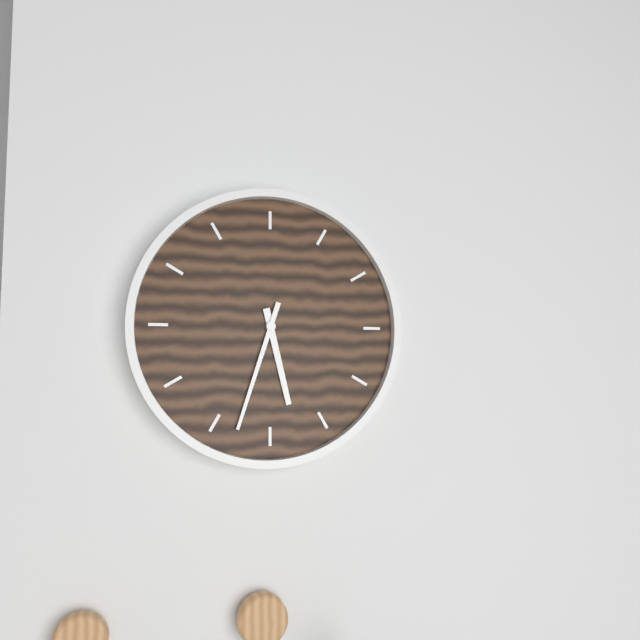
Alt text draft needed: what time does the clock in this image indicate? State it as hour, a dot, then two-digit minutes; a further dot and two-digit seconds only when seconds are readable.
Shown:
5.33
